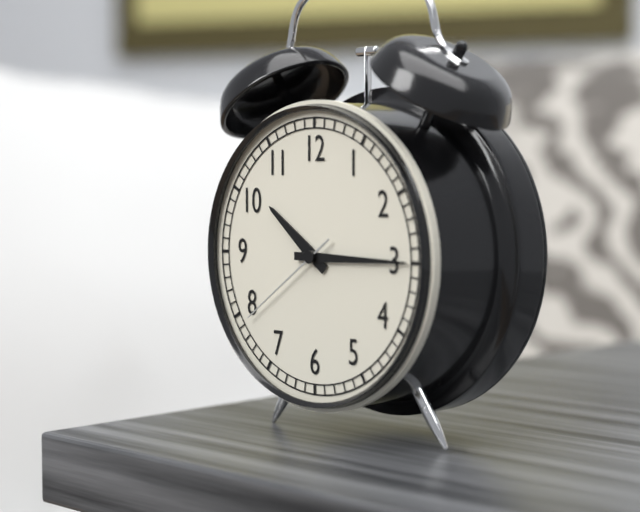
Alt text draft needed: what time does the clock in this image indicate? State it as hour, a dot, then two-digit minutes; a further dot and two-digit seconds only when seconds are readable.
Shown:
10.15.39
